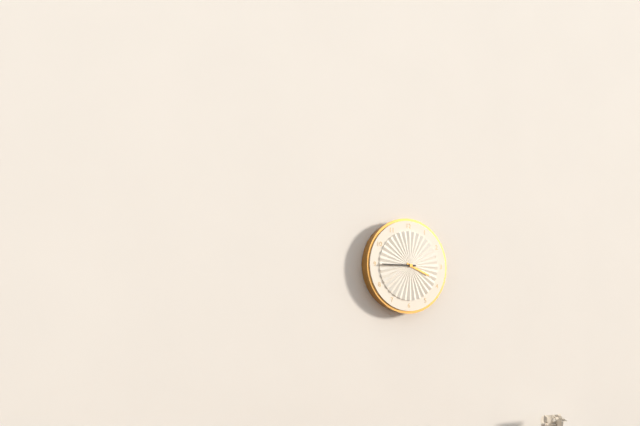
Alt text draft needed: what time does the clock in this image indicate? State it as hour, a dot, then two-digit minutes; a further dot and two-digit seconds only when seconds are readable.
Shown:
3.45
